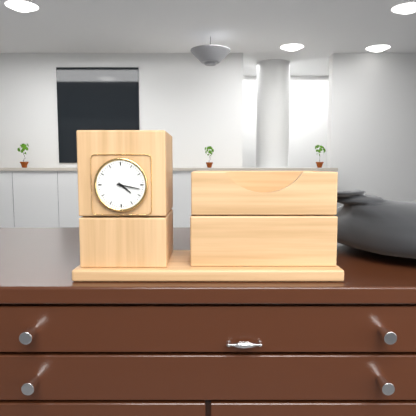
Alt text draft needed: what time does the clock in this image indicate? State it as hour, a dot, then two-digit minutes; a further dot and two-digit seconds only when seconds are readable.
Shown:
4.17
